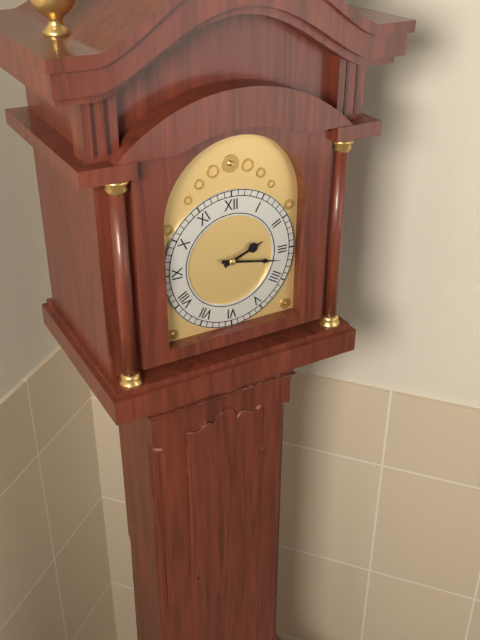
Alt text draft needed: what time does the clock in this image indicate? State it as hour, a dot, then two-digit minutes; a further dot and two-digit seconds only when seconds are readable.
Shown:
2.17
